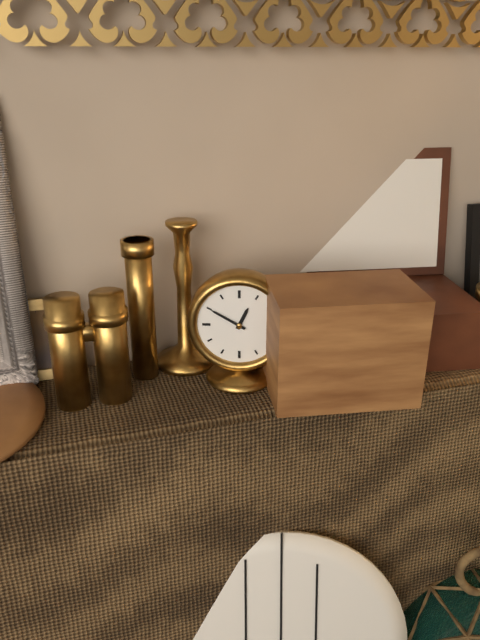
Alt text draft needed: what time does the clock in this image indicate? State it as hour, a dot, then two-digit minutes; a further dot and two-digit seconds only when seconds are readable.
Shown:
12.50
